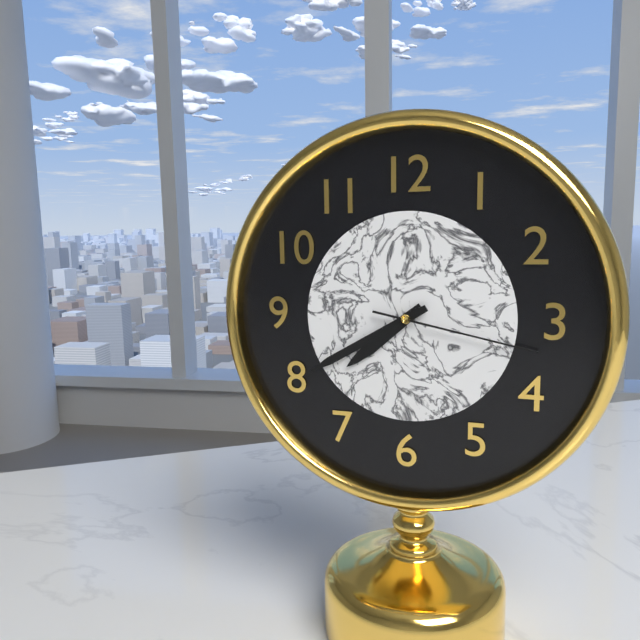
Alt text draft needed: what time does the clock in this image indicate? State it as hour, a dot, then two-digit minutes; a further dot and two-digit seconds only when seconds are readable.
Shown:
7.40.17
